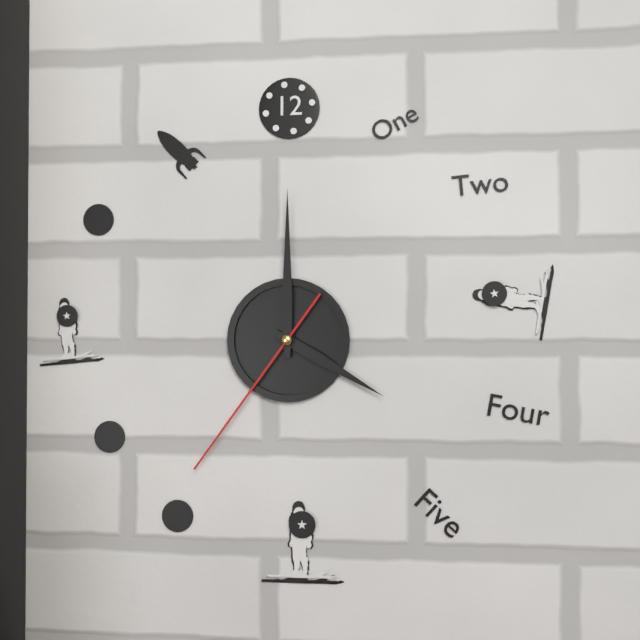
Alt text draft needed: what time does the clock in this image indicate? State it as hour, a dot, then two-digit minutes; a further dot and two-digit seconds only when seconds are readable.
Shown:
4.00.36
